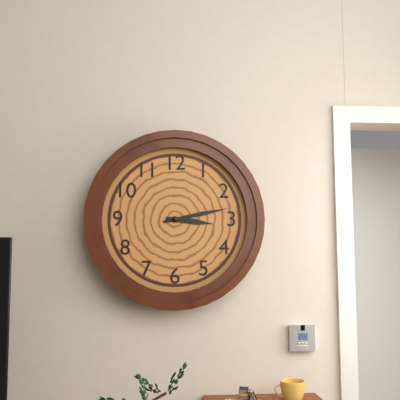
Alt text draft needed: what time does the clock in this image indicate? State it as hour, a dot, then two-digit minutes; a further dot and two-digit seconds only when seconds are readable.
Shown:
3.13
